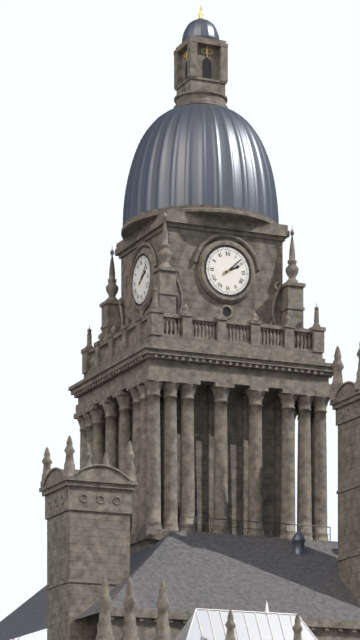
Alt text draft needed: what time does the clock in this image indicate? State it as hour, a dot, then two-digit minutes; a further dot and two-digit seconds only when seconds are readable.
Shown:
2.08
